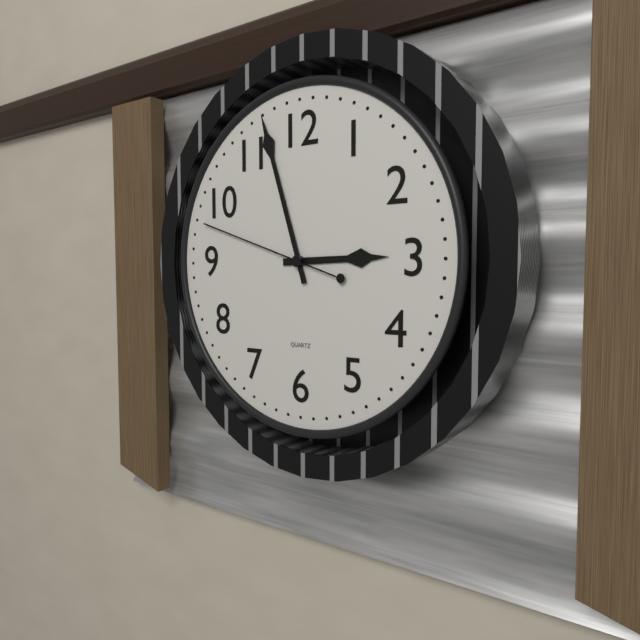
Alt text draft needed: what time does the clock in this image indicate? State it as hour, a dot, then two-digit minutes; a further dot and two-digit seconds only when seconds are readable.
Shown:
2.57.48
